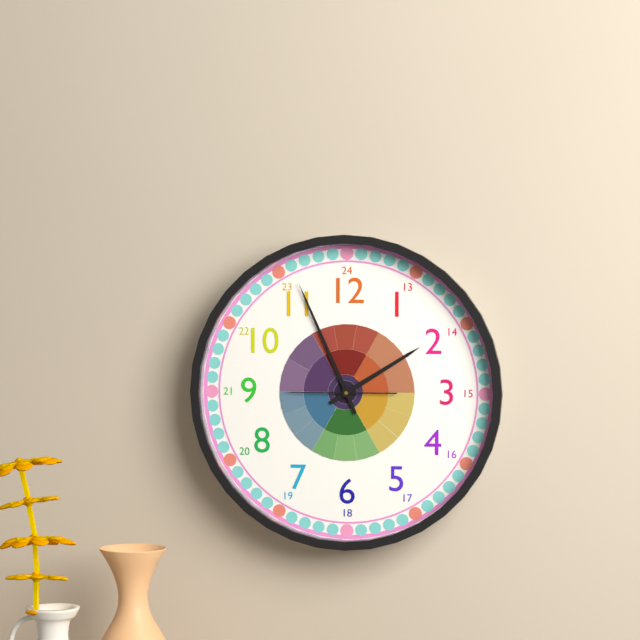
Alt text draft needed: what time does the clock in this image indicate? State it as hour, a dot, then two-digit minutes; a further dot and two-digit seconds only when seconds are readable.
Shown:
1.56.45
